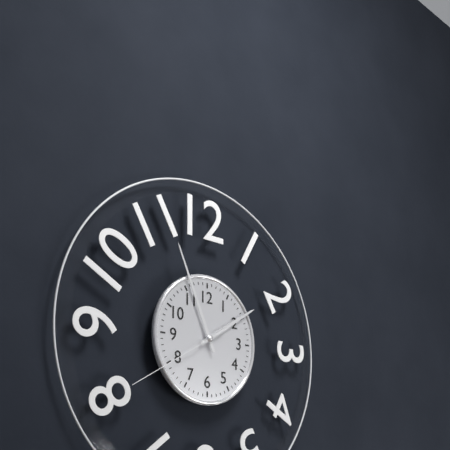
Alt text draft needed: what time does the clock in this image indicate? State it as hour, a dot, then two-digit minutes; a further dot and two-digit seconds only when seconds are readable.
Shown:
1.56.40
